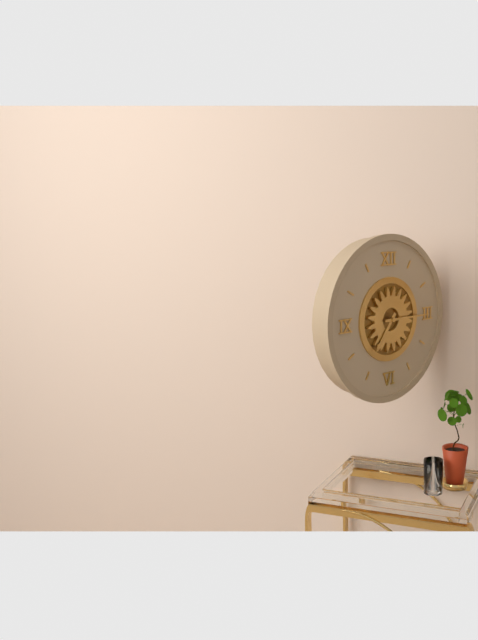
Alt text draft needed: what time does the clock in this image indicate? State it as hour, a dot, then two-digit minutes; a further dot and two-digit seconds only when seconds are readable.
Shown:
7.15
